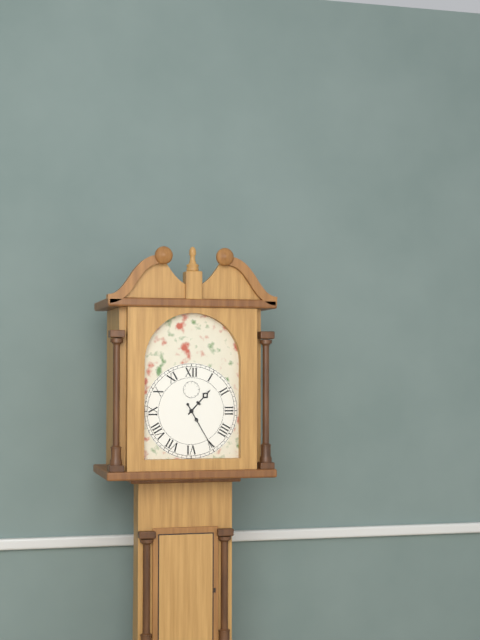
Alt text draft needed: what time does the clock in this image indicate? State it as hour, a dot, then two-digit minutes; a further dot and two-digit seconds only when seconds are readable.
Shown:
1.25
